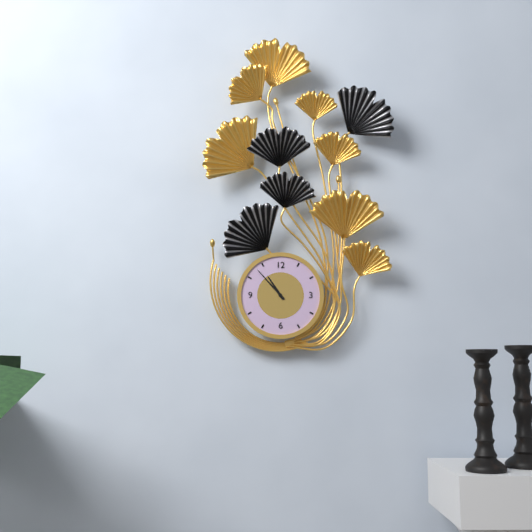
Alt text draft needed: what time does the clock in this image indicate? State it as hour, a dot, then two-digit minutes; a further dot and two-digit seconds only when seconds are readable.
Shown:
10.53
